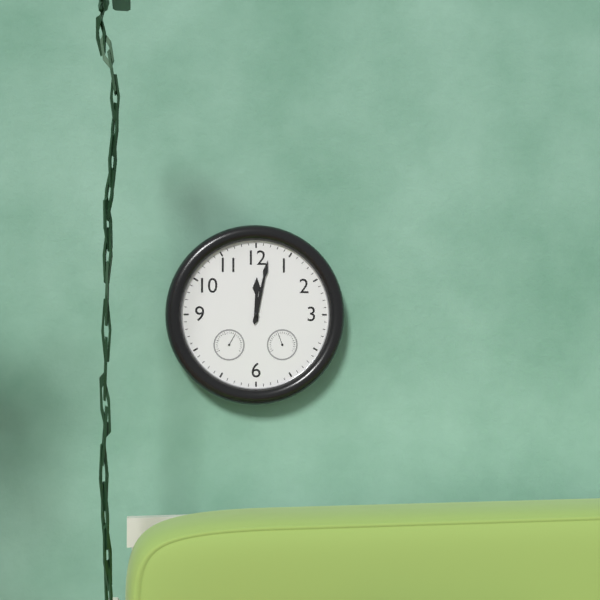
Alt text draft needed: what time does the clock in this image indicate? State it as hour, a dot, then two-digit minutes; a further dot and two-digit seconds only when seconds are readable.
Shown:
12.02
